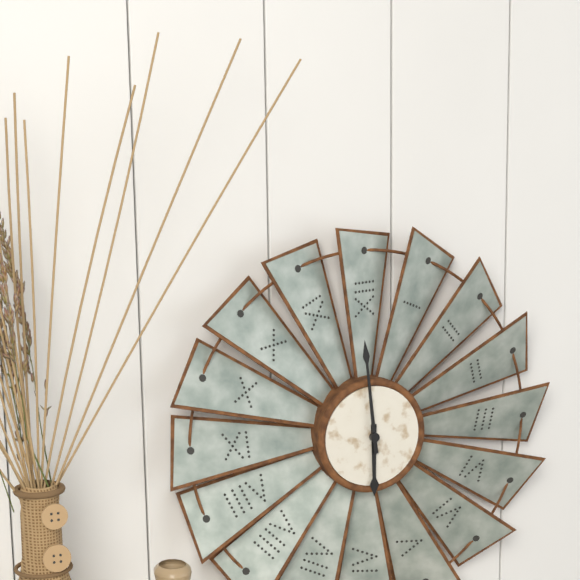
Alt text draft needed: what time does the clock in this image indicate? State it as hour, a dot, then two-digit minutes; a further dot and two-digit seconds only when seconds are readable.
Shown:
5.59
